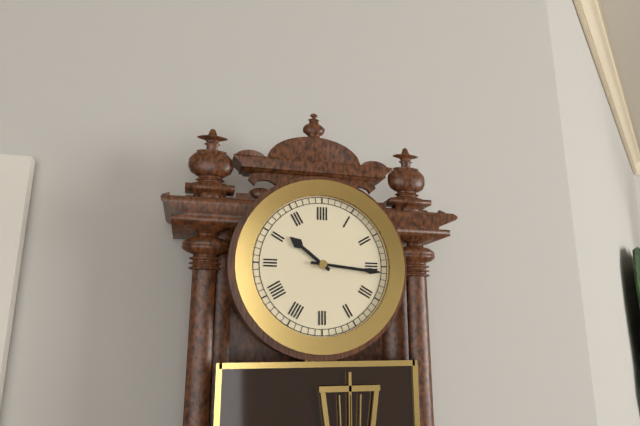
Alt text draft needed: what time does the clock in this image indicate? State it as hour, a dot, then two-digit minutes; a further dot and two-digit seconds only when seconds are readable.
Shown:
10.16
